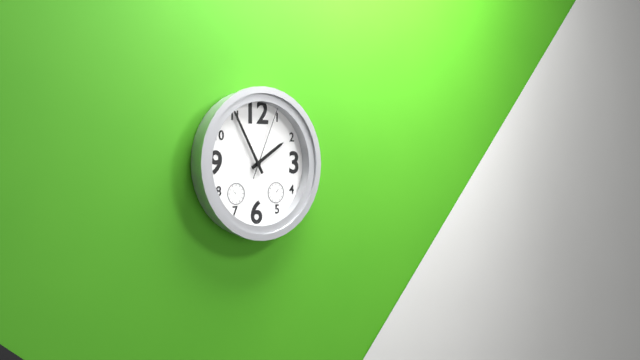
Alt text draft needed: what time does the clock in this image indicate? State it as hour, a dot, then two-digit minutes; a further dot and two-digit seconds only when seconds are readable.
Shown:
1.55.04
